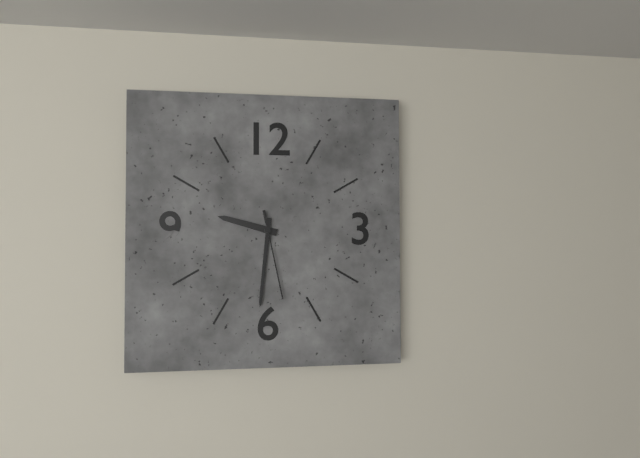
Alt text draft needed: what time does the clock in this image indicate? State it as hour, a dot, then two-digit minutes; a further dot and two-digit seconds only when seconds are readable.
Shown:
9.31.28
